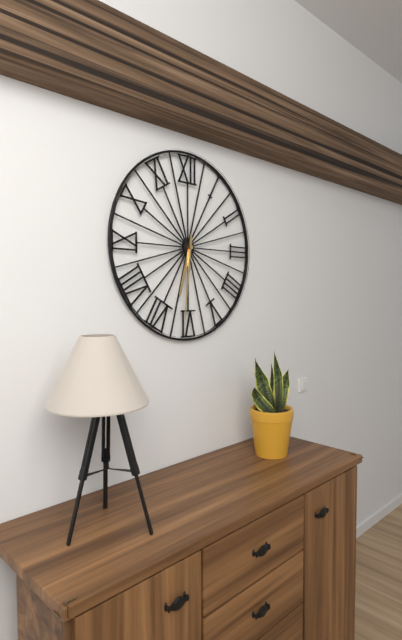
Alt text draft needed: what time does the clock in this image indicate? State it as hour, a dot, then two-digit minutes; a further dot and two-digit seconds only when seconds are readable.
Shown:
6.31
